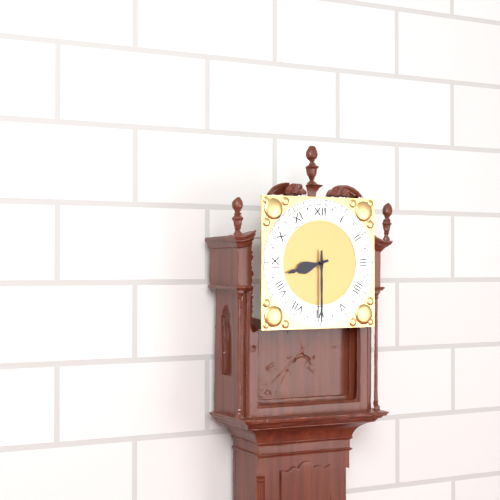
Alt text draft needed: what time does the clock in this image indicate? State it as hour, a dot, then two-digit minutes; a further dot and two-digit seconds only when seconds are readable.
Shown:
8.30
